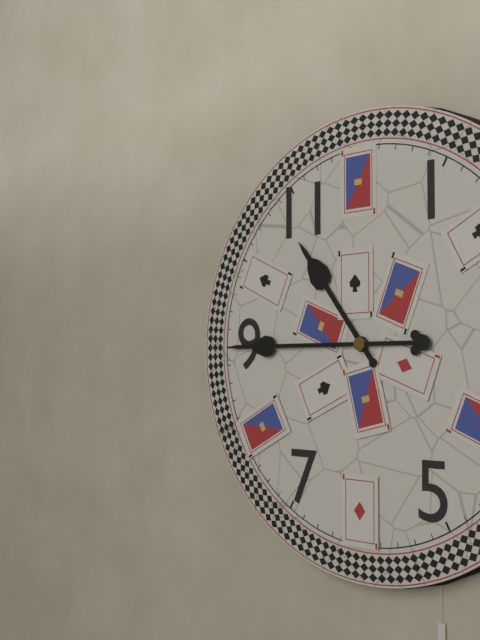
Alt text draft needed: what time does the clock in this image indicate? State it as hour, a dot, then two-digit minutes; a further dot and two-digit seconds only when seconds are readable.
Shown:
10.45
